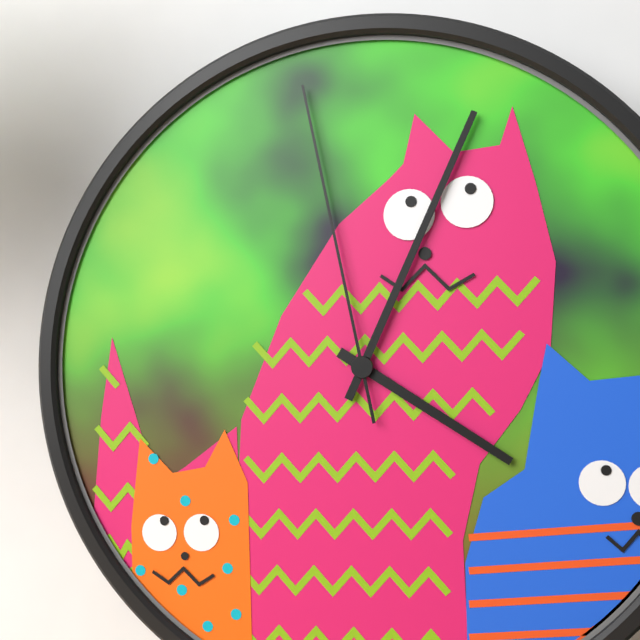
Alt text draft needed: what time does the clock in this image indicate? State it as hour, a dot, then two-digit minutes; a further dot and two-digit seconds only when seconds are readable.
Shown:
4.04.58
